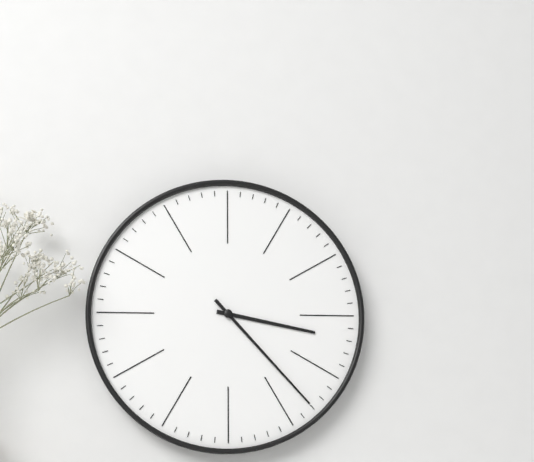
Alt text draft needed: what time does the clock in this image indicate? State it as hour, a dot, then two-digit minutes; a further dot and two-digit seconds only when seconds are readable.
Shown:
3.23
